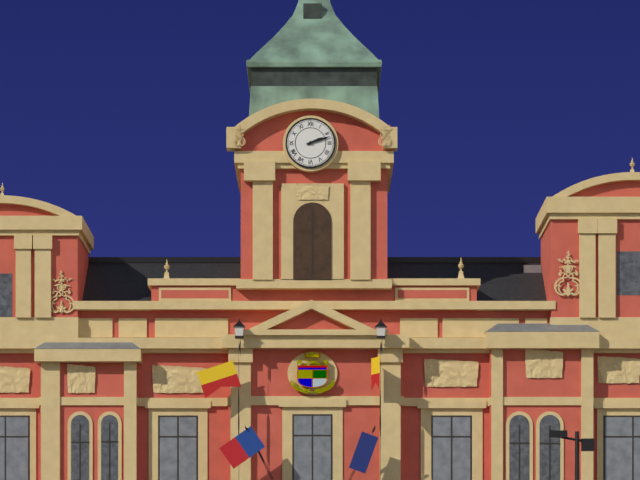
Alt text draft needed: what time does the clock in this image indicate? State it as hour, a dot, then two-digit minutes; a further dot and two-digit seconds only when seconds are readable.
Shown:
2.12
